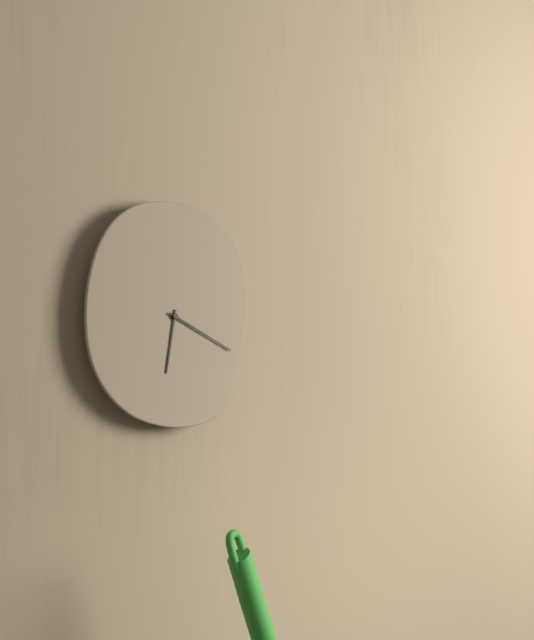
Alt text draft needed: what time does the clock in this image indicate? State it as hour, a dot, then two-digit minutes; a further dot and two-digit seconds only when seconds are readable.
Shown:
6.19
